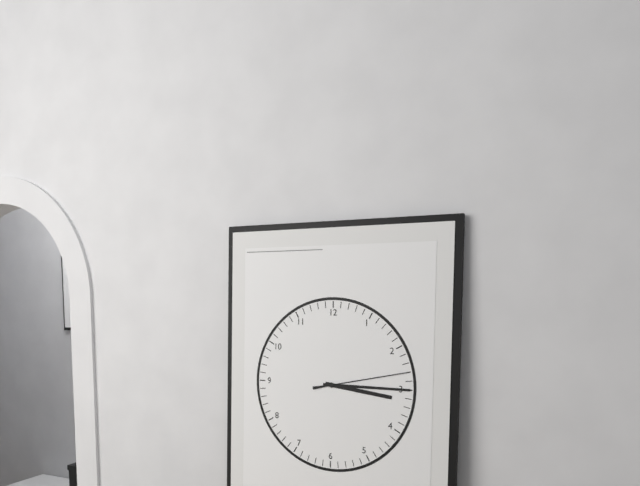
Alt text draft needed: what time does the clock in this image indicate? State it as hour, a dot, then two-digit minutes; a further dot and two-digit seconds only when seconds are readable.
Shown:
3.15.13
